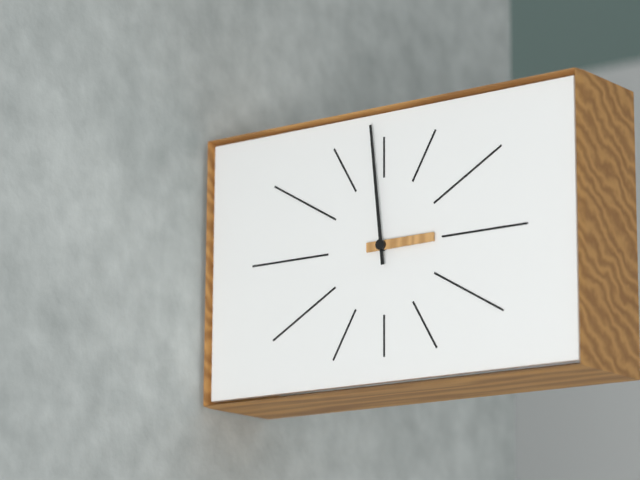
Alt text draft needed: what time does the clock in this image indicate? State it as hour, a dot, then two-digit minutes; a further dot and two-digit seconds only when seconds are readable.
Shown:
2.59
